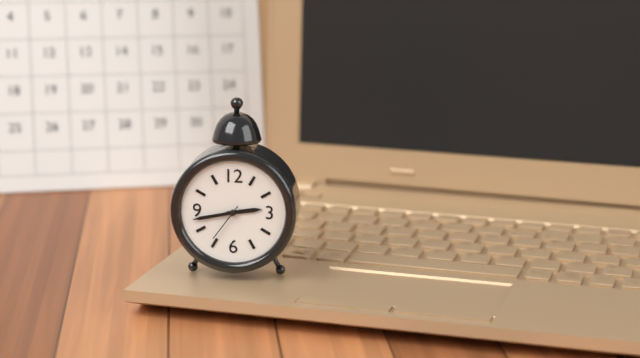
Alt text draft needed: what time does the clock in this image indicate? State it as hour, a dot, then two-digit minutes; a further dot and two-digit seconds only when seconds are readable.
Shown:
2.43.36
